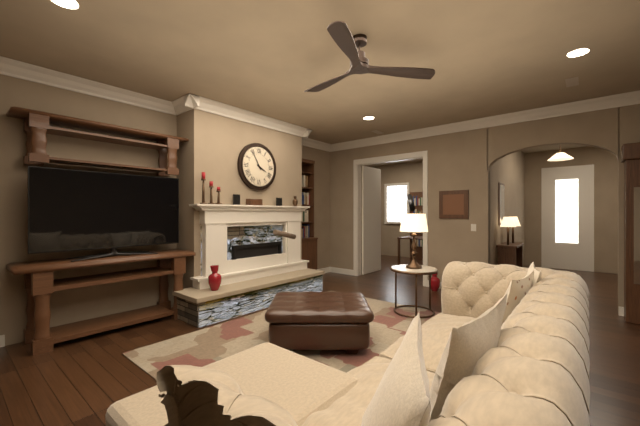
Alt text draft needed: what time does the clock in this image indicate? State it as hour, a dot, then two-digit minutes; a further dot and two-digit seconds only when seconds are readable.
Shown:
3.55
